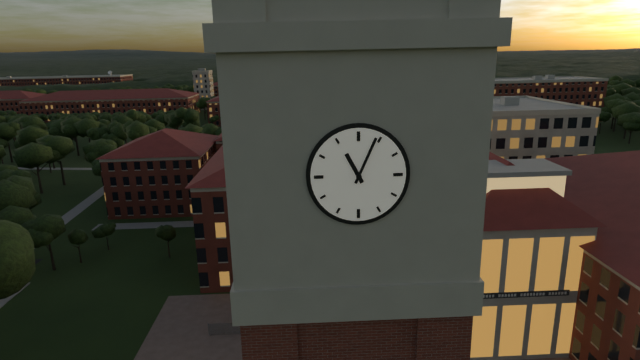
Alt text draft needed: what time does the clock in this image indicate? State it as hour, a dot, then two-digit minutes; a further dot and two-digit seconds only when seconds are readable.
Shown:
11.04
